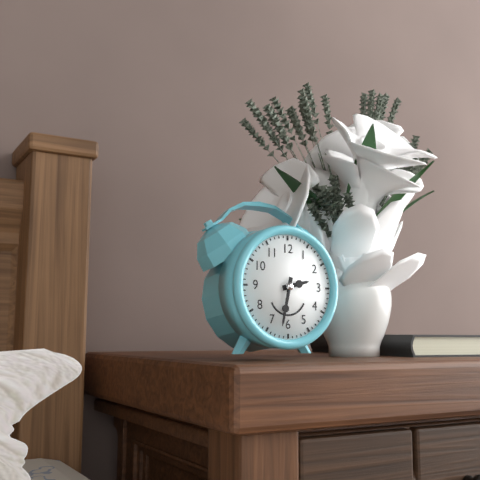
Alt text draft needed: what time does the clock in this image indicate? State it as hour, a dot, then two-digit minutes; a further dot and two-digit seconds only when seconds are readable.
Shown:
2.32
